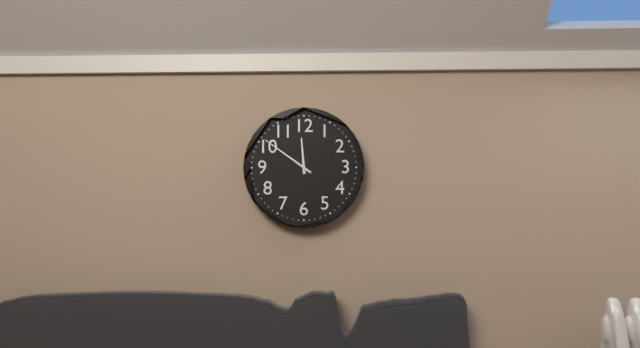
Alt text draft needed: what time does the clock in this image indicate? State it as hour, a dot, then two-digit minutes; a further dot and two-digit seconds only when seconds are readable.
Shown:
11.51
